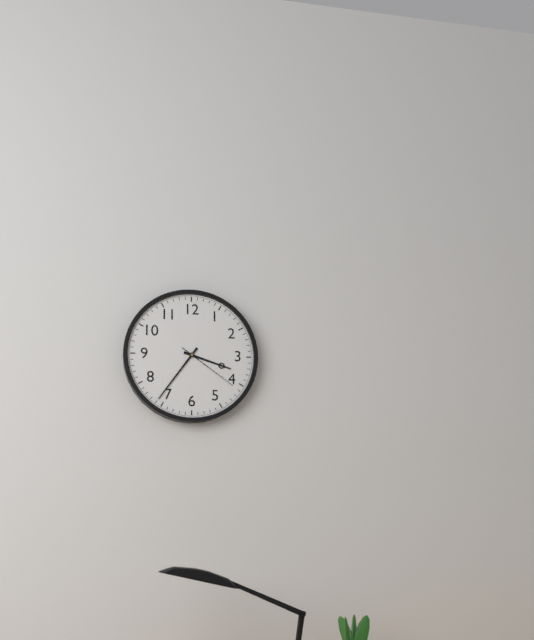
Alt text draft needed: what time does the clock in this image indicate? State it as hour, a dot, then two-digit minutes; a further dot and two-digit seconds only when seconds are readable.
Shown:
3.36.21
